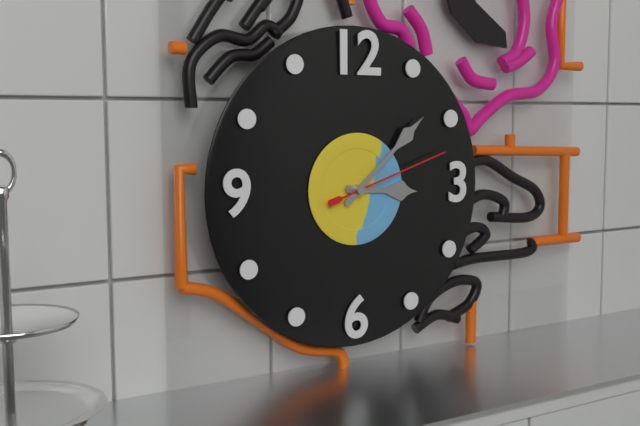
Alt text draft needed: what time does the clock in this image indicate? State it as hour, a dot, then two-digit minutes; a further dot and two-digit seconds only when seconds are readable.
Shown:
3.08.12
